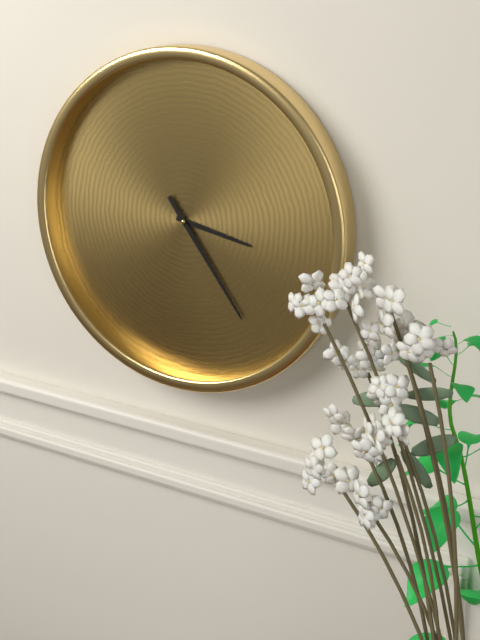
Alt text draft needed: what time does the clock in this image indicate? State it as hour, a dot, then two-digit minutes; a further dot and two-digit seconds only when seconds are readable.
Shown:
3.24
